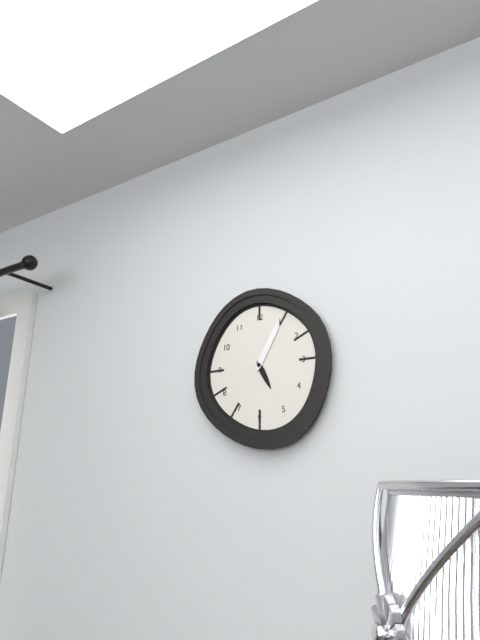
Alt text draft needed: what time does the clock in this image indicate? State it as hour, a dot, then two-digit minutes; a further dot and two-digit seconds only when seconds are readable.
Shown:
5.05
